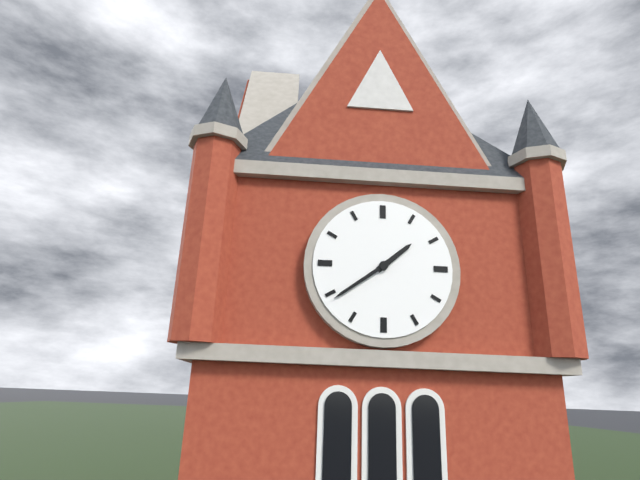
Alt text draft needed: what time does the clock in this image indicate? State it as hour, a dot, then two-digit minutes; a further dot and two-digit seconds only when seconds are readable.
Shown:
1.39
